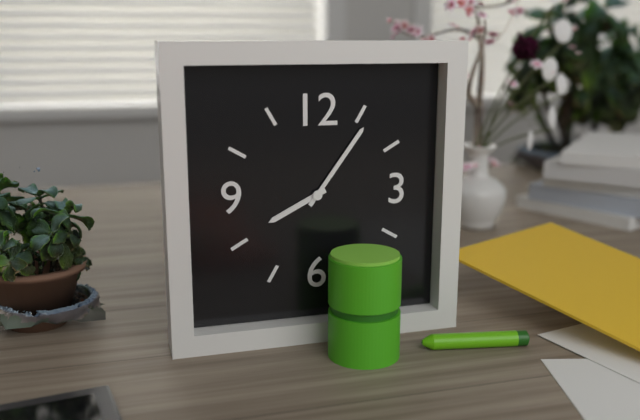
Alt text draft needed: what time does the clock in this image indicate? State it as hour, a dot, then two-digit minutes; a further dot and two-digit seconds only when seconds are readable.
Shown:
8.06
